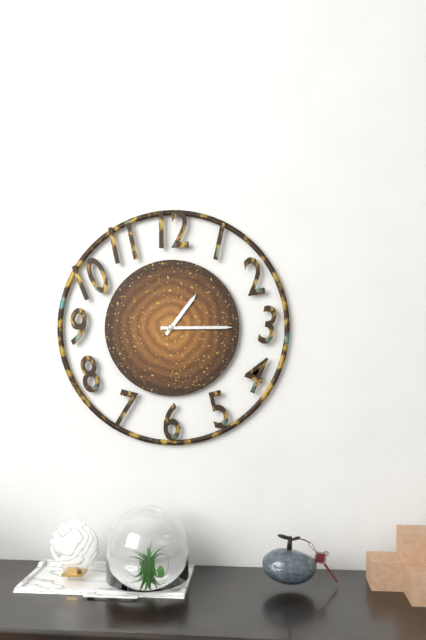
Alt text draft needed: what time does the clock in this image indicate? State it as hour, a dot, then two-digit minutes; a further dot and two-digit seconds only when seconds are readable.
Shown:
1.15
